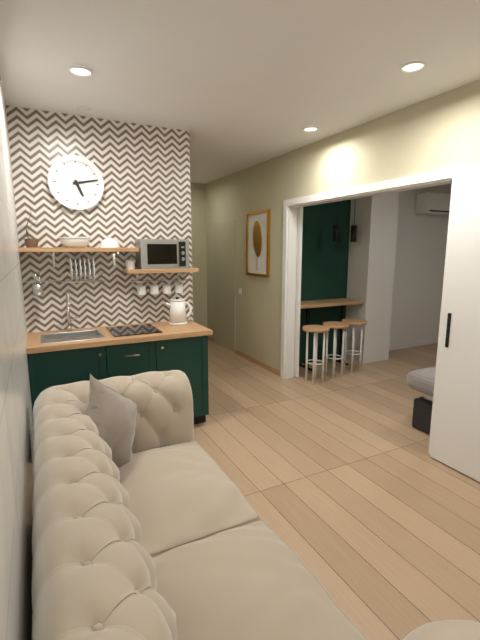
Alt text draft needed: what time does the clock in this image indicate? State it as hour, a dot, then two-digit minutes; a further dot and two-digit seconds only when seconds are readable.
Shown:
5.13
